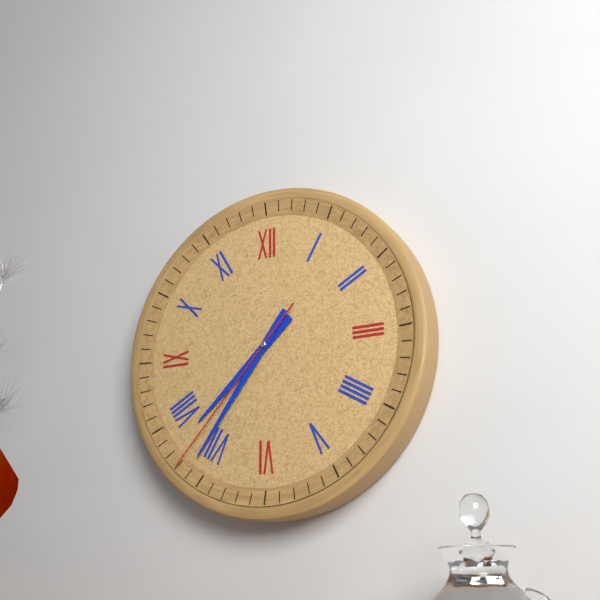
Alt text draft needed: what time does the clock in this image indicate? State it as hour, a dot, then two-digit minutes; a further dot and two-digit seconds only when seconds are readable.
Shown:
7.36.37
